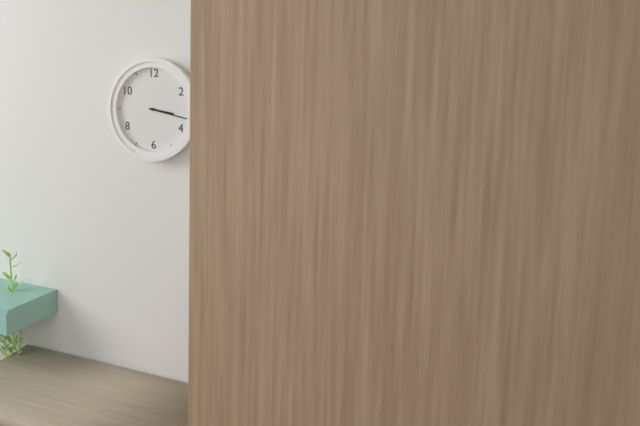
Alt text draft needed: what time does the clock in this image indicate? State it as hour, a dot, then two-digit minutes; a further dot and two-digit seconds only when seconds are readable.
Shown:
3.17
